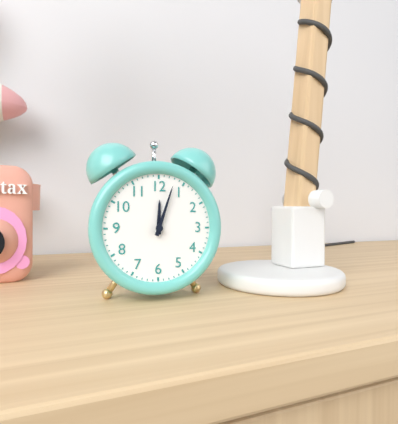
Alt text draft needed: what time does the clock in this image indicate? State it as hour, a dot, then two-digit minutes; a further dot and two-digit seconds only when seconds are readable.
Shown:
12.03
